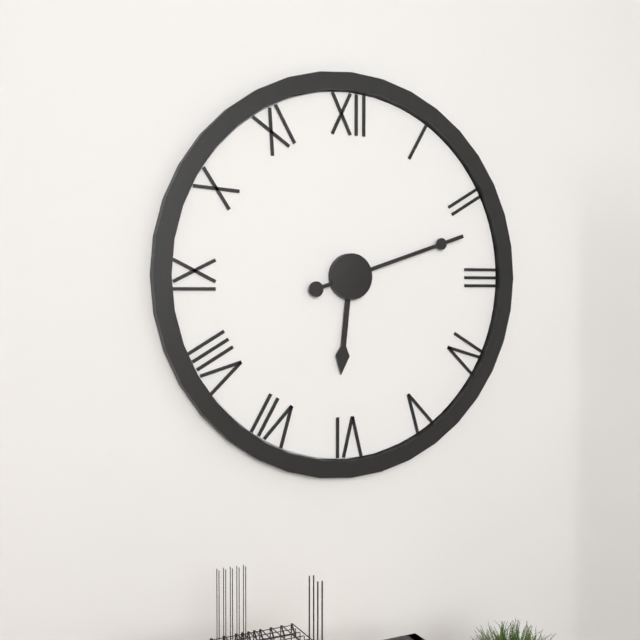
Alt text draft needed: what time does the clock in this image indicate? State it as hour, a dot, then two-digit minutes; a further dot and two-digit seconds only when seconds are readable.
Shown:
6.12
